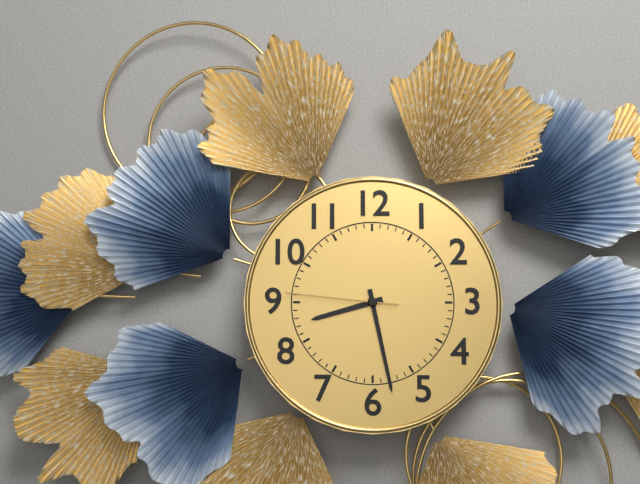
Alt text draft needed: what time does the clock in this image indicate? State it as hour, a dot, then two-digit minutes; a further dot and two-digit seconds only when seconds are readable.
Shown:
8.28.46
